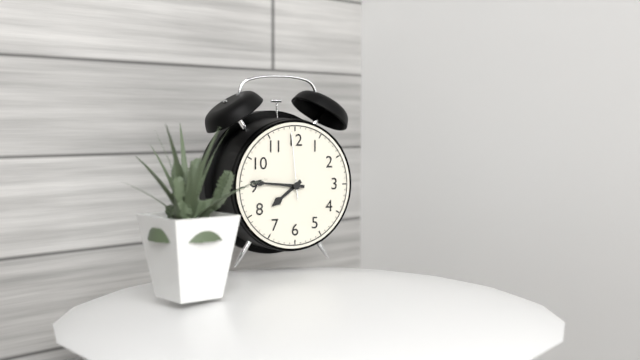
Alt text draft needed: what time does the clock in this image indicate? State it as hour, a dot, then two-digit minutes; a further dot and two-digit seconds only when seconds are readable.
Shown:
7.46.59
